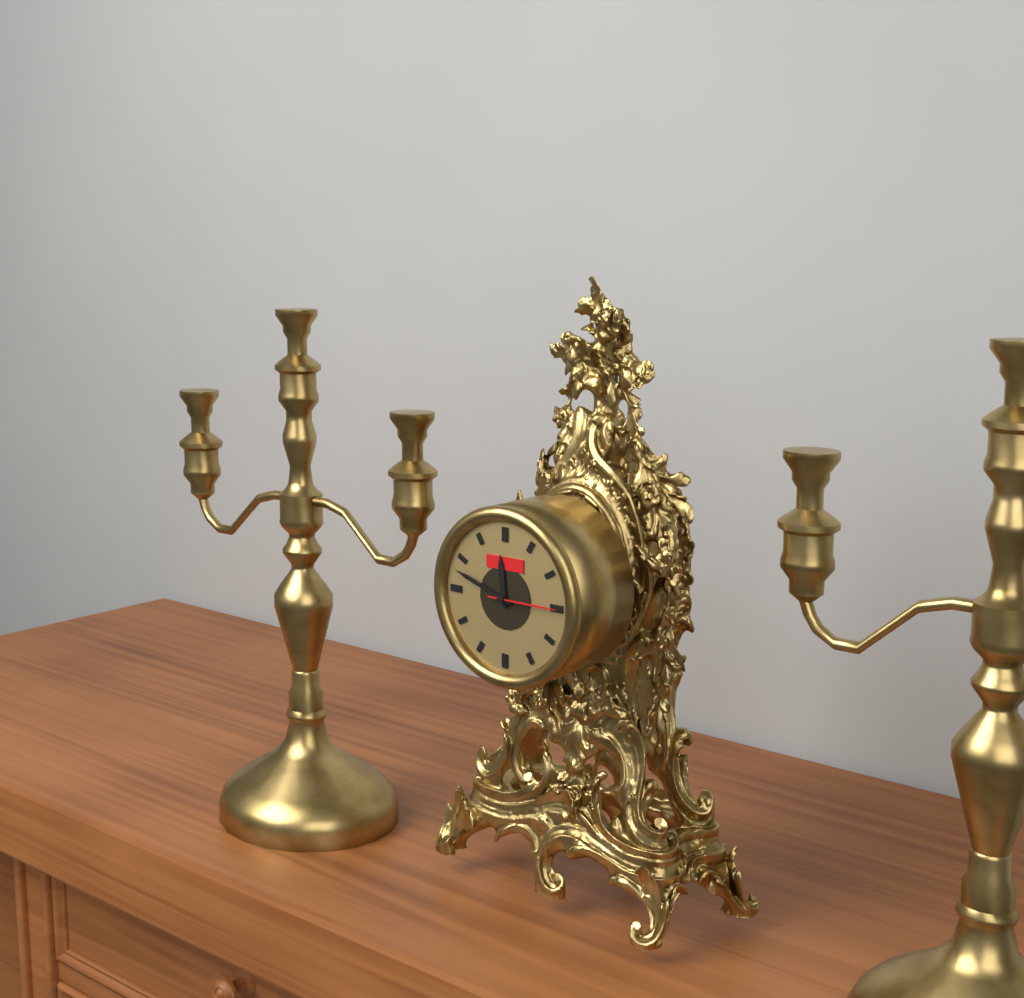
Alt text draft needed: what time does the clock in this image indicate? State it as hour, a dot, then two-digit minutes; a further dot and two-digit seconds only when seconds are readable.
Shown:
11.48.15
